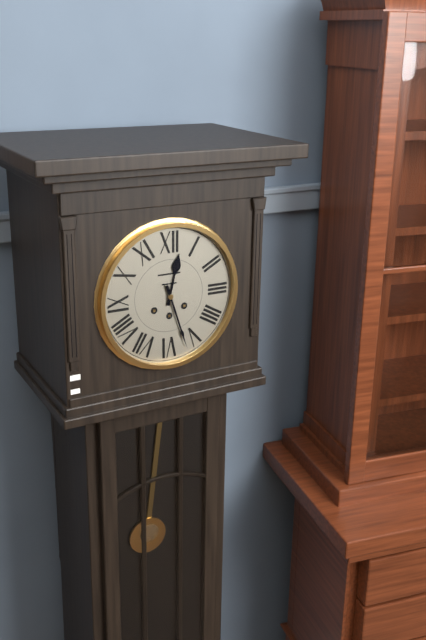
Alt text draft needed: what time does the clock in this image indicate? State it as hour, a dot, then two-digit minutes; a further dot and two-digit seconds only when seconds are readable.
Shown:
12.27
